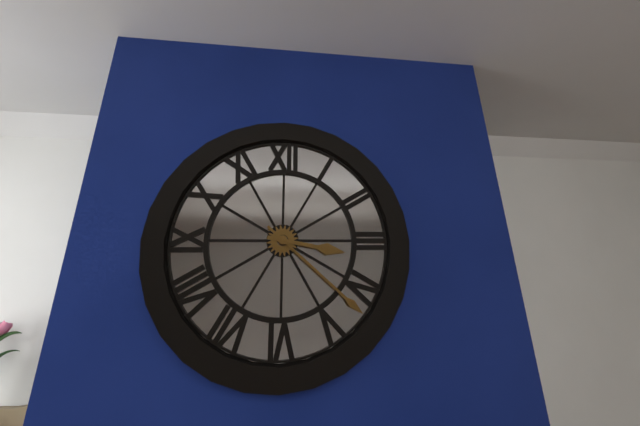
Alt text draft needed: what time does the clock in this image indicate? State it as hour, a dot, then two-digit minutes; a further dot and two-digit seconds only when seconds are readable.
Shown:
3.22
